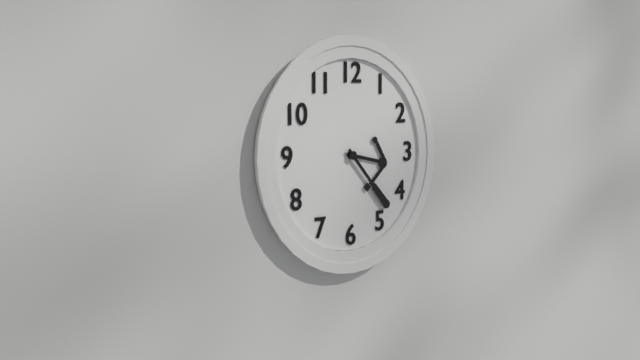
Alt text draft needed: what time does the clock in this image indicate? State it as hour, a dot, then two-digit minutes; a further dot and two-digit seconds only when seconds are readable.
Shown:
3.23
